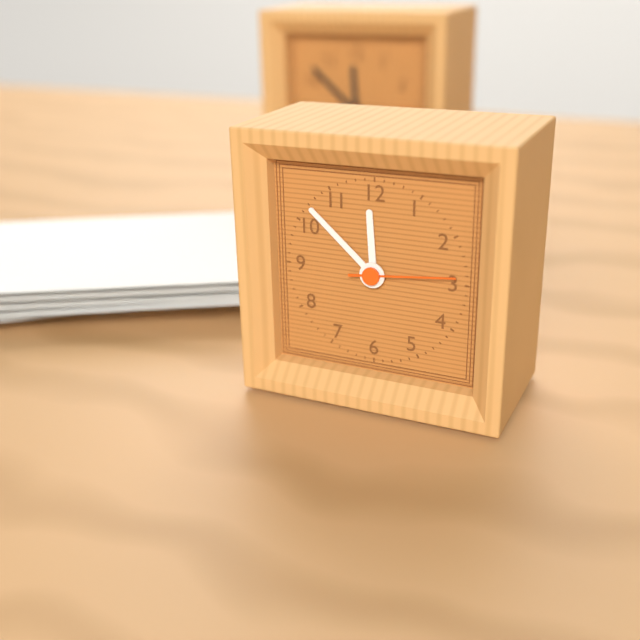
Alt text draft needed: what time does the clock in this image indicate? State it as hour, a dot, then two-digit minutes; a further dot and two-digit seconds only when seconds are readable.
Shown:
11.52.14
